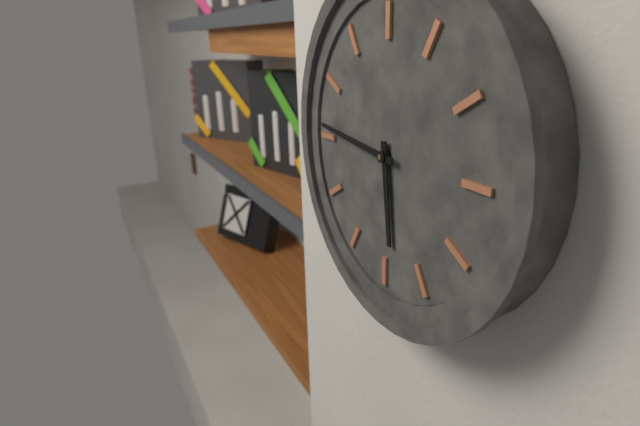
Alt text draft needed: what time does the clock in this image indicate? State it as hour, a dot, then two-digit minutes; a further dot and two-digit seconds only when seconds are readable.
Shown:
5.46
